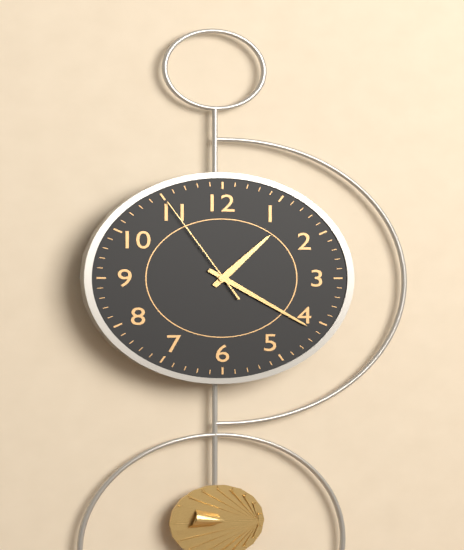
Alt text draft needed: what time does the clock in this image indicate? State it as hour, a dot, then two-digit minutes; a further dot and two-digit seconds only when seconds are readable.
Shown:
1.21.55
